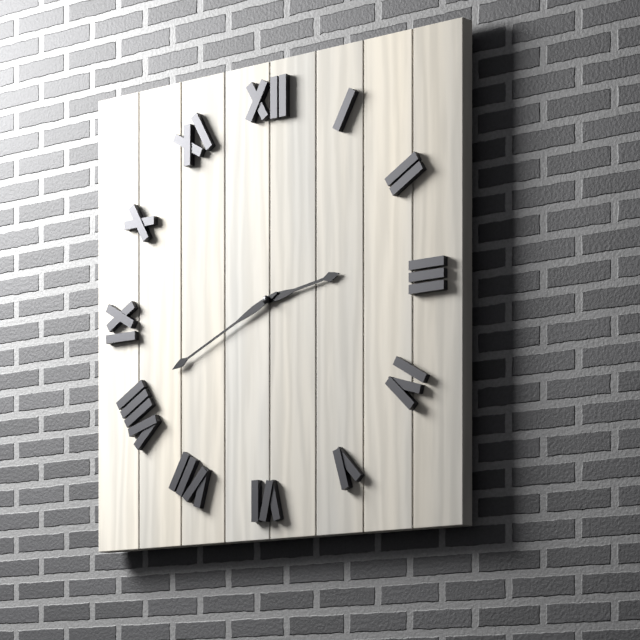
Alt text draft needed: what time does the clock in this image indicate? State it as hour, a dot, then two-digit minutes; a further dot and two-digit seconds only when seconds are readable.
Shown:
2.41
